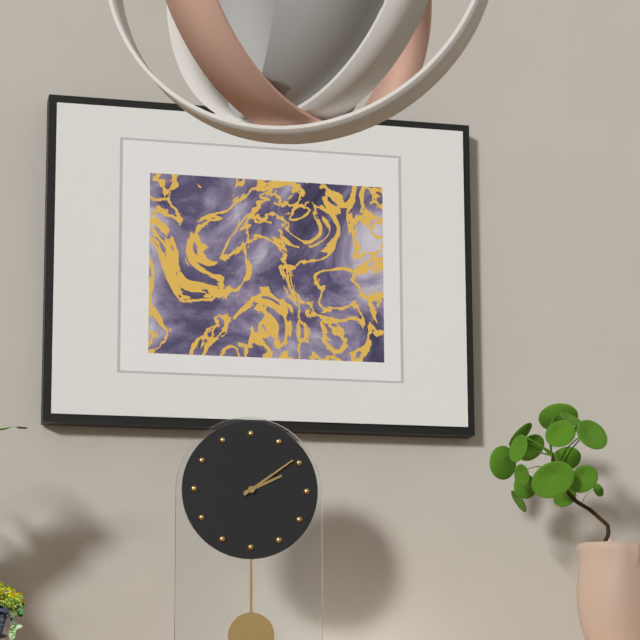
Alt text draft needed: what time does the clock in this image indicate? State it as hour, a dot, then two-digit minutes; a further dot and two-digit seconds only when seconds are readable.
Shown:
2.09
